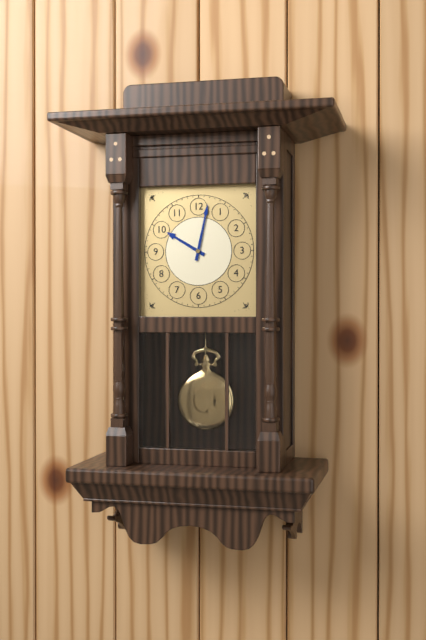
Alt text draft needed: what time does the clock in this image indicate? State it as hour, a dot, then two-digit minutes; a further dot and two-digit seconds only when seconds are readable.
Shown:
10.02
